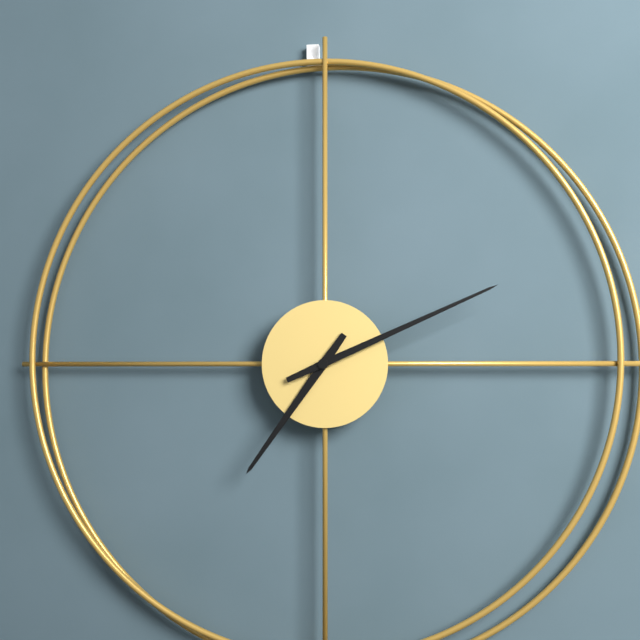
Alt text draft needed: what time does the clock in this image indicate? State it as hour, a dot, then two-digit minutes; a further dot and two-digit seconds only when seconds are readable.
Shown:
7.11
